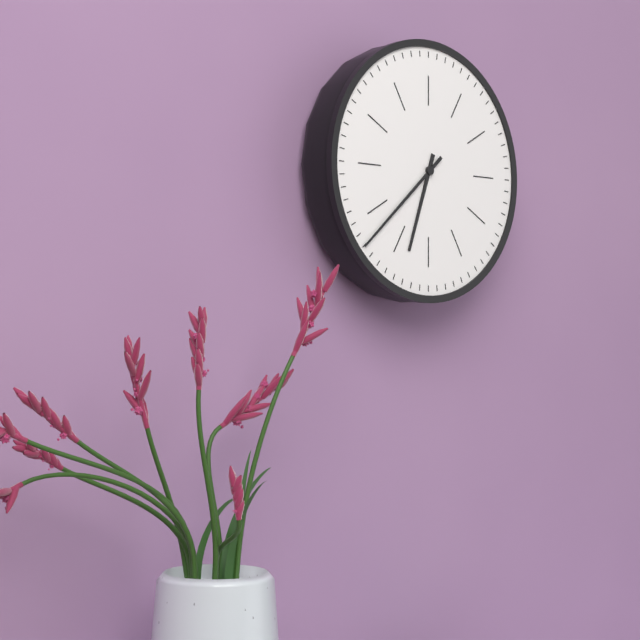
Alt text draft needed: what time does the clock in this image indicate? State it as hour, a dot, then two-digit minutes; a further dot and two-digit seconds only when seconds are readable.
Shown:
6.38
